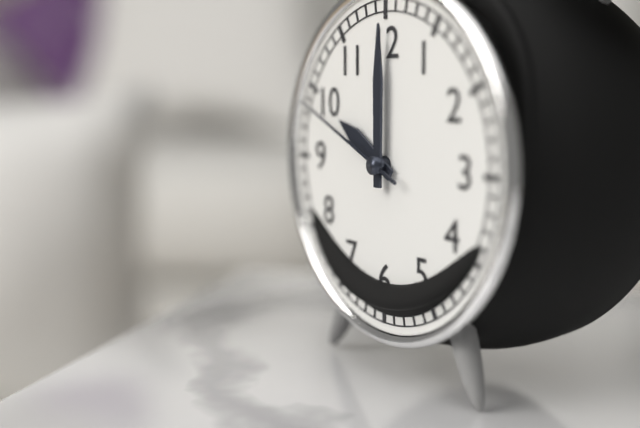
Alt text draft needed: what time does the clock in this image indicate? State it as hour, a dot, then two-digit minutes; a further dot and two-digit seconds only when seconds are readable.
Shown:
10.00.49
